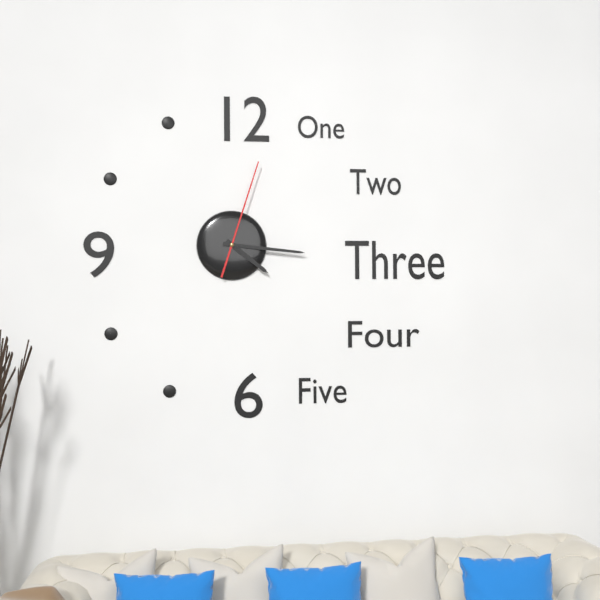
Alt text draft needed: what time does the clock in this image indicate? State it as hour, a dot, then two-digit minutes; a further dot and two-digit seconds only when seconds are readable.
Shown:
4.16.03
